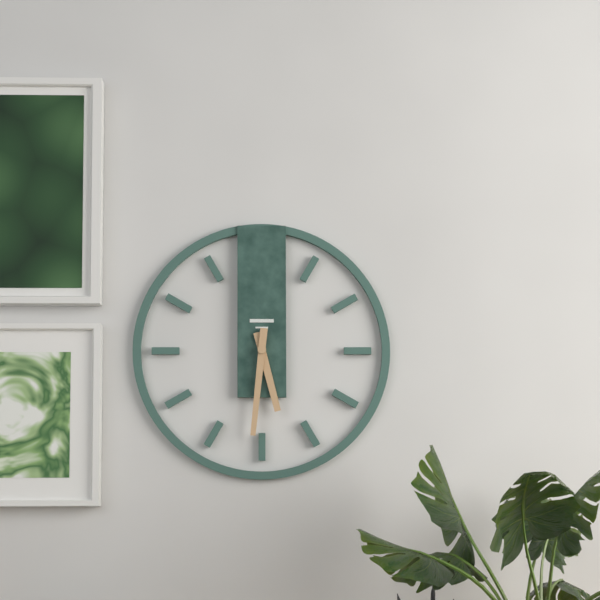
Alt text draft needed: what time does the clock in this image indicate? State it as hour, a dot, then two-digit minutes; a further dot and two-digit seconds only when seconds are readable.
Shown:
5.31
